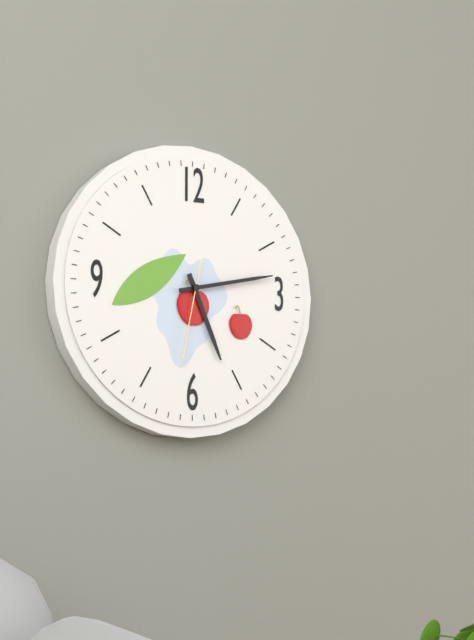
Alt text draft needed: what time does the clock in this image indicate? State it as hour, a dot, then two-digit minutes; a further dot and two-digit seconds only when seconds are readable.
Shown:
5.13.32
